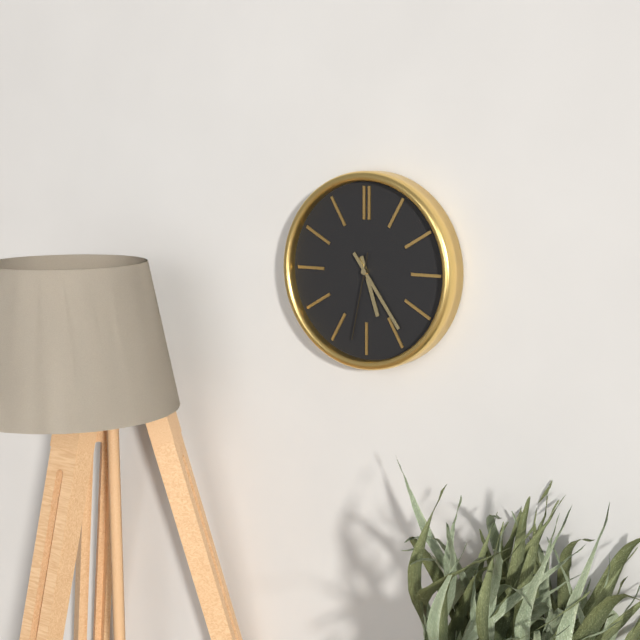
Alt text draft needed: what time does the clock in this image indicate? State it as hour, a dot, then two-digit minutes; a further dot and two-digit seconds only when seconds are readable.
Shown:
5.24.32
